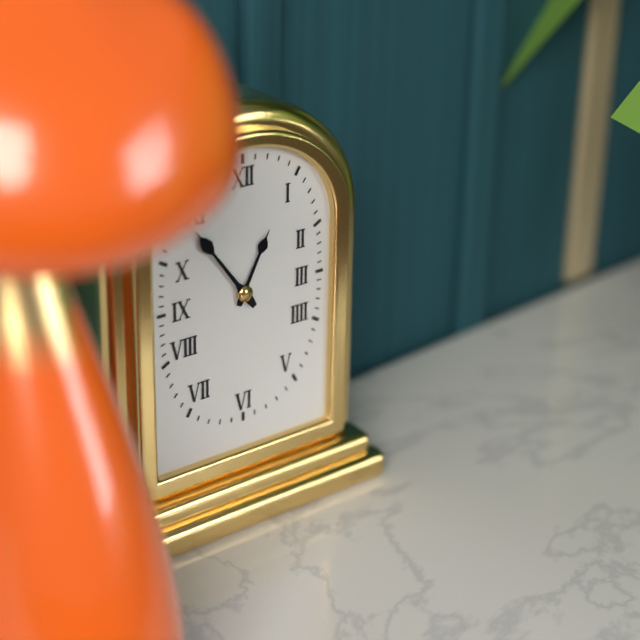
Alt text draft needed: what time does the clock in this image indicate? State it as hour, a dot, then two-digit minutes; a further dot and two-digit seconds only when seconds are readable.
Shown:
12.54
